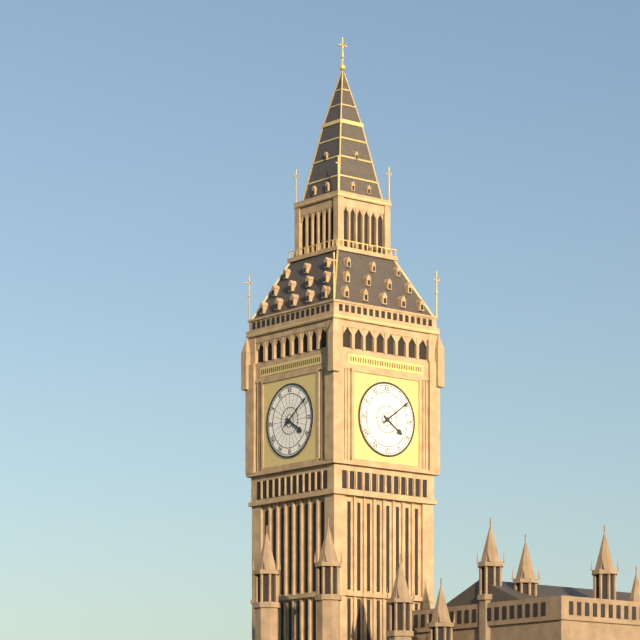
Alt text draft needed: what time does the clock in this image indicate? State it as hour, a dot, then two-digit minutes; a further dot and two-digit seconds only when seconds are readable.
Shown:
4.09
